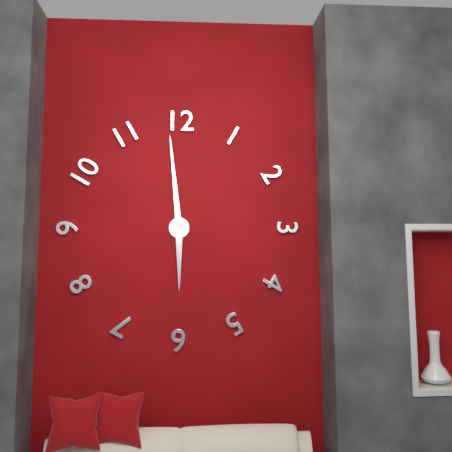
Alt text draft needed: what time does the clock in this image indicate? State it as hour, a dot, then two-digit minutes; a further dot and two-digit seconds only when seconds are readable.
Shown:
5.59
